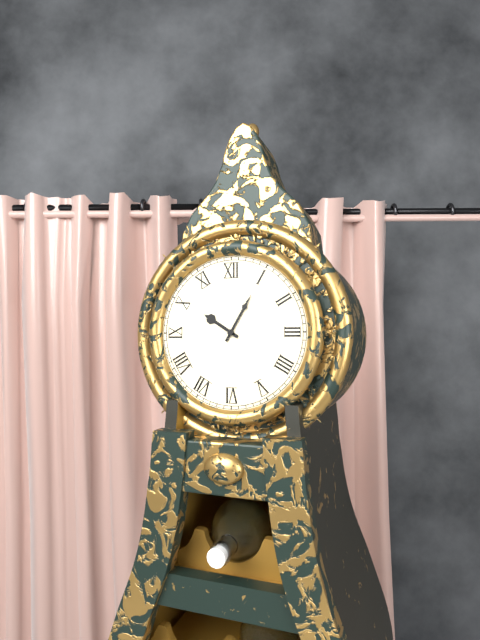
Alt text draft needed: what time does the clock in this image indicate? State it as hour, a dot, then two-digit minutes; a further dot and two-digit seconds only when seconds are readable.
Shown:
10.05
